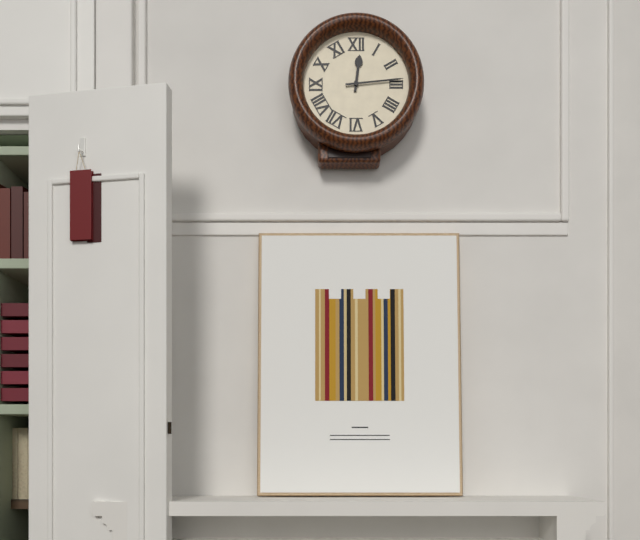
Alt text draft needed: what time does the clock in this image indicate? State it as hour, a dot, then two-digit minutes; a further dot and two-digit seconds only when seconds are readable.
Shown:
12.14
